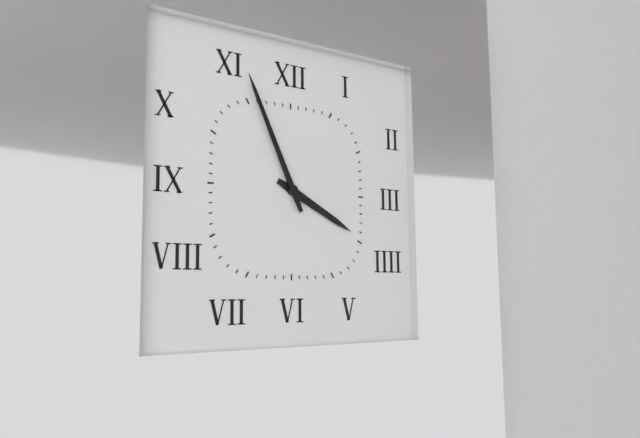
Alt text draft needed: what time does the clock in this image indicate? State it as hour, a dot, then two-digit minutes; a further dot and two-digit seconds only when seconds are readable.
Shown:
3.56
